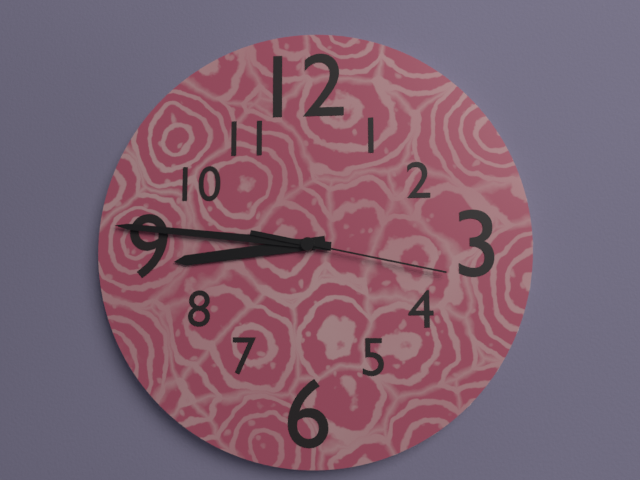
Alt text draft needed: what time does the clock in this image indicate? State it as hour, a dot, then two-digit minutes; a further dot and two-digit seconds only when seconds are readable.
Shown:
8.46.17
